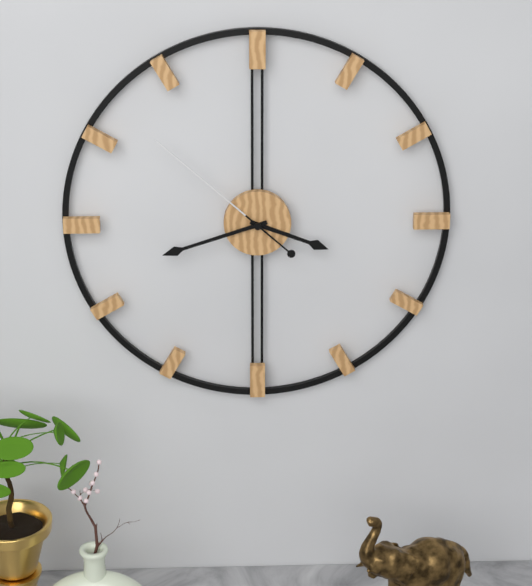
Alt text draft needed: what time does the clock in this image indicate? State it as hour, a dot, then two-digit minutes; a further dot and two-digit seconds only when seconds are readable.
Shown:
3.42.52
